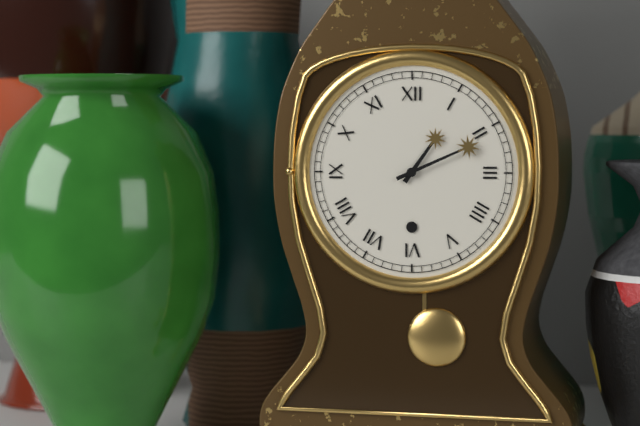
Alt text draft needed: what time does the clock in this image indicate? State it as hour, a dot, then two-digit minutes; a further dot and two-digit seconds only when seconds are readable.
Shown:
1.11
